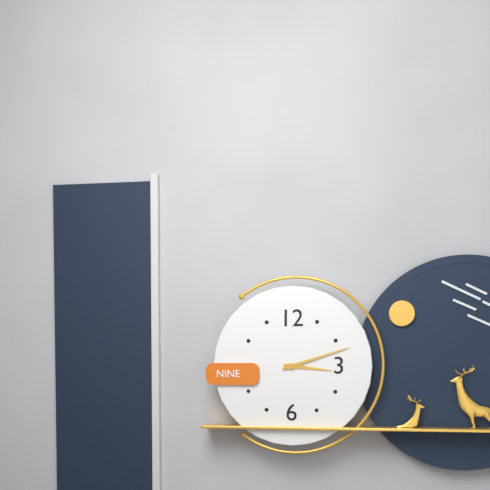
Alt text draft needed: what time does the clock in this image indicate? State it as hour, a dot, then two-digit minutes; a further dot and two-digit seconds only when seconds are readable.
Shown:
3.12
